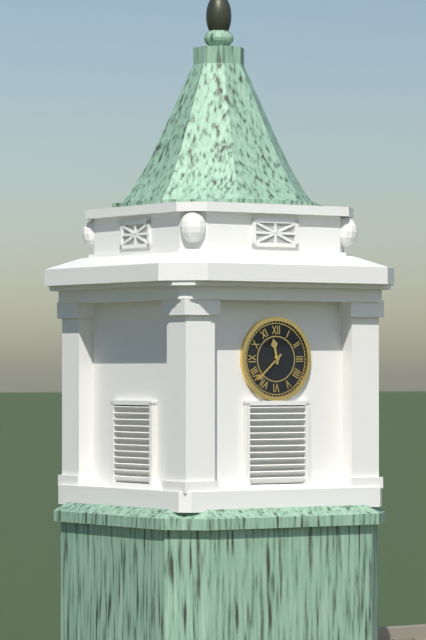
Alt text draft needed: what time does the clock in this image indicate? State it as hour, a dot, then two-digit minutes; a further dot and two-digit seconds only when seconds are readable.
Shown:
11.38
